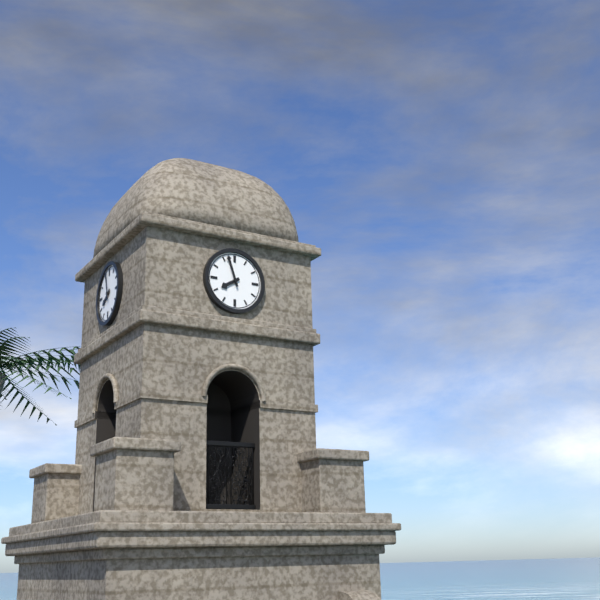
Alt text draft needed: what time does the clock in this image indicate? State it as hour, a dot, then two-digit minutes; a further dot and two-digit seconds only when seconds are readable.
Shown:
7.57
